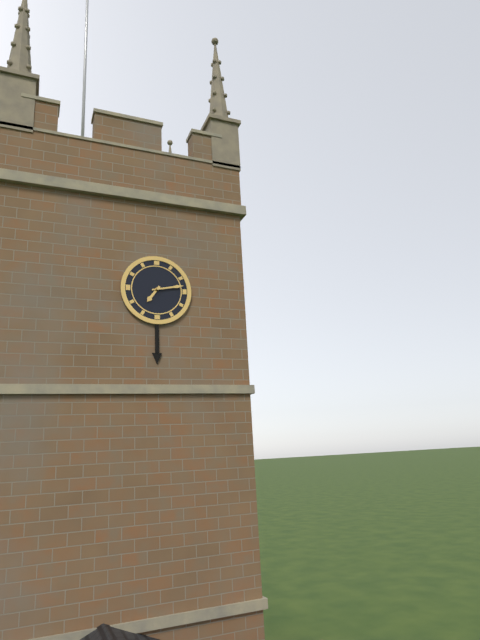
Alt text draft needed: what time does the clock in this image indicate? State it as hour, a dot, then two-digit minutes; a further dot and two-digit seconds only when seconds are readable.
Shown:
7.13
